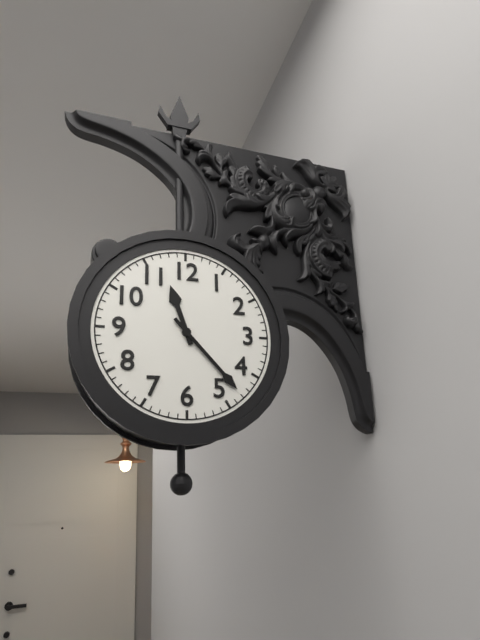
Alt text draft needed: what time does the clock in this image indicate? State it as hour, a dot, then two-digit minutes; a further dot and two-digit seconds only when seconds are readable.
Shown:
11.23
